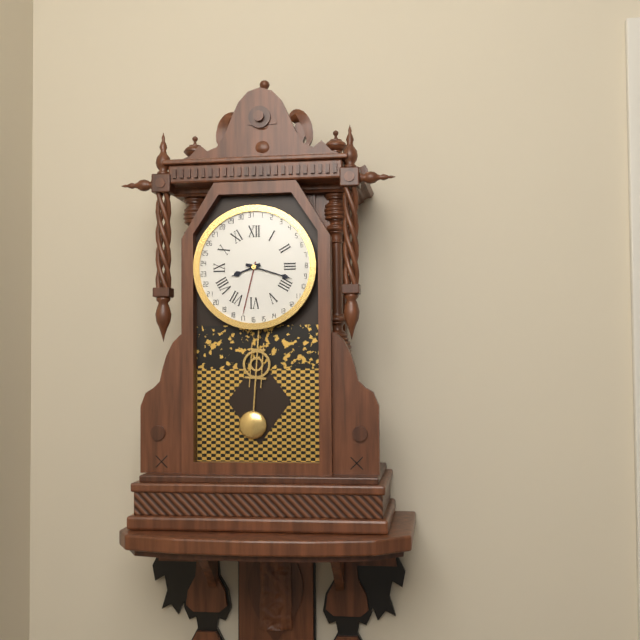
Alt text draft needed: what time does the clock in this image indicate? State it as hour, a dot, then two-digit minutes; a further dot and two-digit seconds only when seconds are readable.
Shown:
8.18
